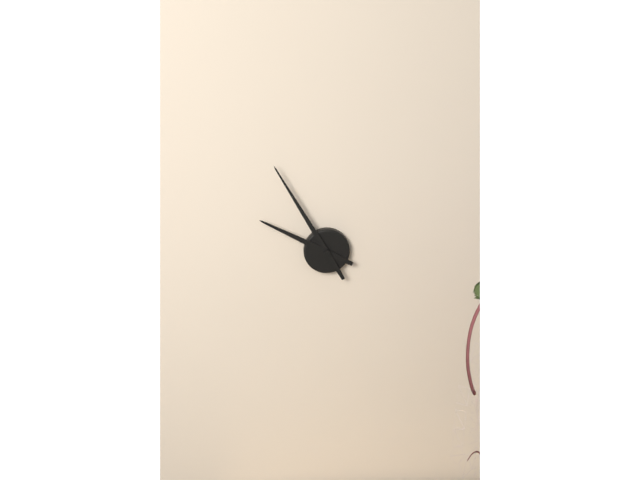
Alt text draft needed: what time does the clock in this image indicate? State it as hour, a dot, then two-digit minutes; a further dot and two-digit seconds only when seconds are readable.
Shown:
9.55
